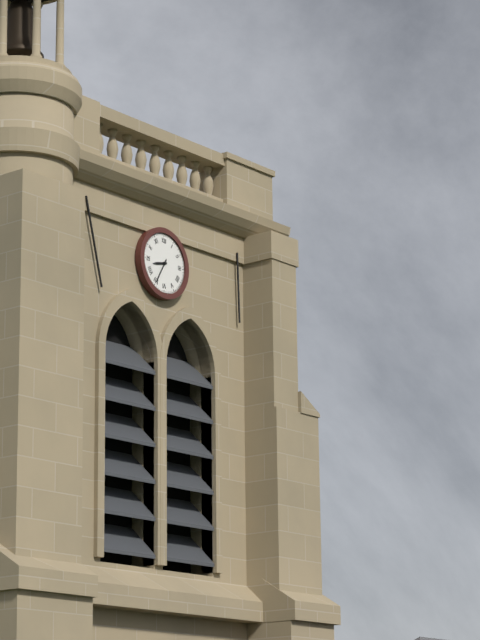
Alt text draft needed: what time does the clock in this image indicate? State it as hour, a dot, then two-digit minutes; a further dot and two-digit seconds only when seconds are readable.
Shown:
8.35
